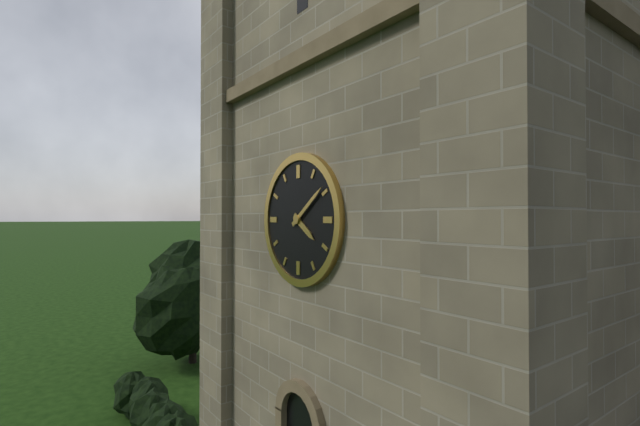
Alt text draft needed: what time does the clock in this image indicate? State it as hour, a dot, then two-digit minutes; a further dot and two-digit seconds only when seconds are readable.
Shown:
4.09
